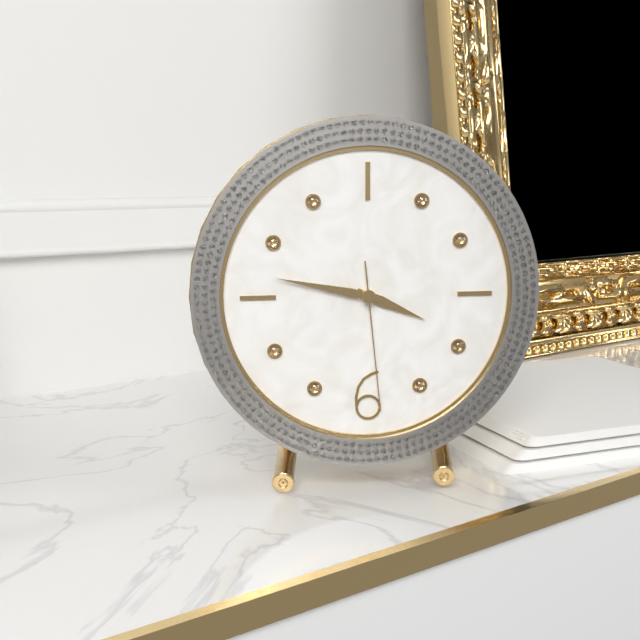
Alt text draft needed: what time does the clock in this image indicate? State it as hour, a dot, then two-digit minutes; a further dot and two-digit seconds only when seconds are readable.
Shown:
3.47.29
